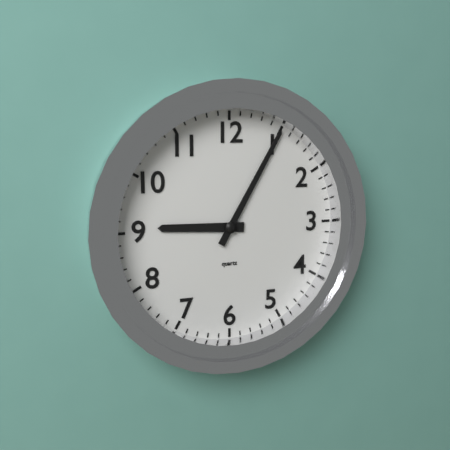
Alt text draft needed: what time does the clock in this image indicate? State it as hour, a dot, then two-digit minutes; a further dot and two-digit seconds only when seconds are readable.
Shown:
9.05
